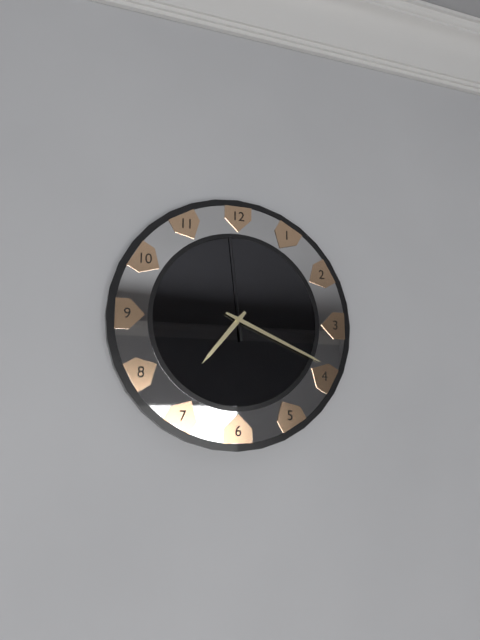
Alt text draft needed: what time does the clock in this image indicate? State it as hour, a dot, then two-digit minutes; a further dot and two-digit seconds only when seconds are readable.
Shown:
7.19.59
